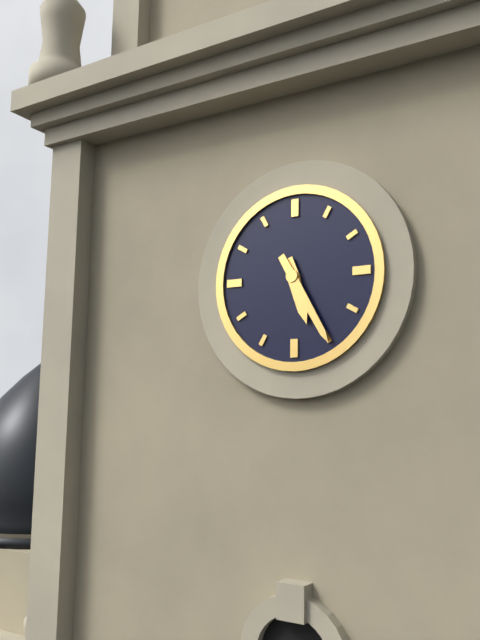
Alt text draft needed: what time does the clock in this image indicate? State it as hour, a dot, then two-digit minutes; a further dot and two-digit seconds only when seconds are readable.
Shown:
5.25
